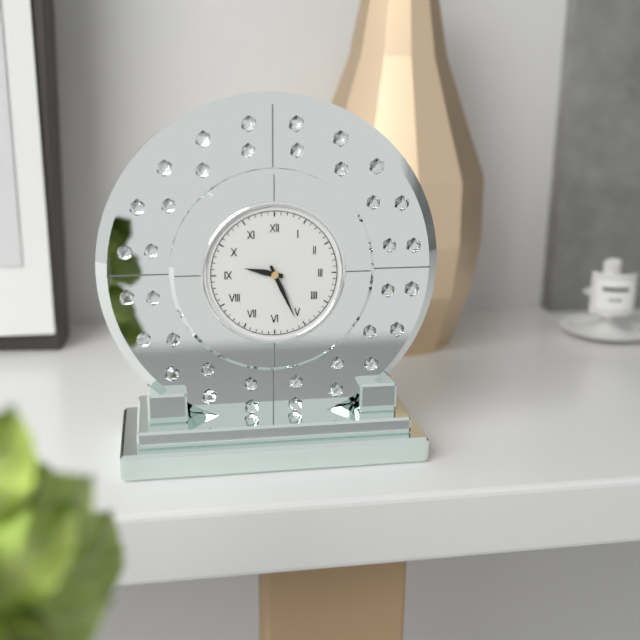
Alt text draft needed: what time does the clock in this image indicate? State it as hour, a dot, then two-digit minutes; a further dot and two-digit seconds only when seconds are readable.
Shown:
9.26
